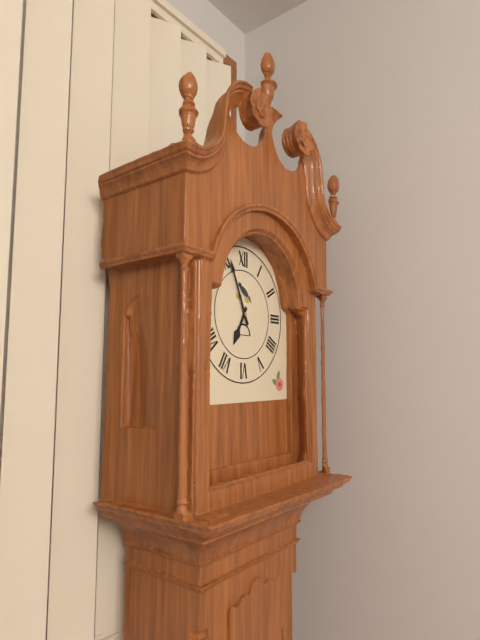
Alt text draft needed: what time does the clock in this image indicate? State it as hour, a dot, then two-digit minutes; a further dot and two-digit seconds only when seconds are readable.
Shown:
6.56
